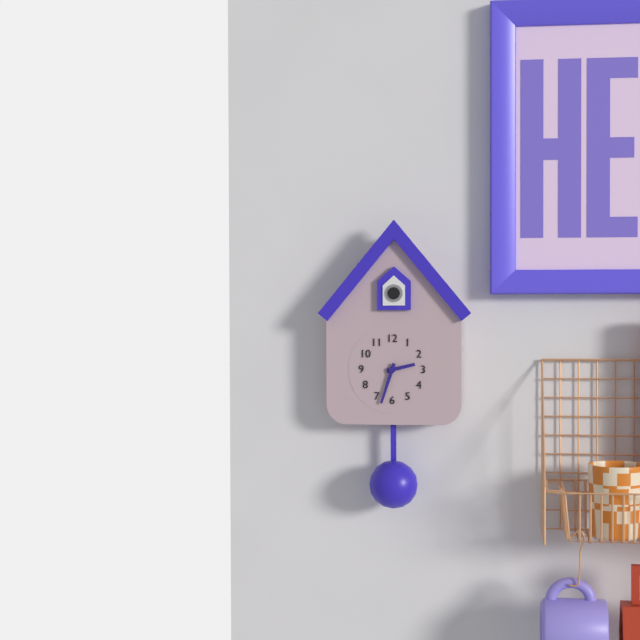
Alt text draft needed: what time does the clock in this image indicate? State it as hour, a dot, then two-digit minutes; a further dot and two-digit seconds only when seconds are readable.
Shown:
2.33
